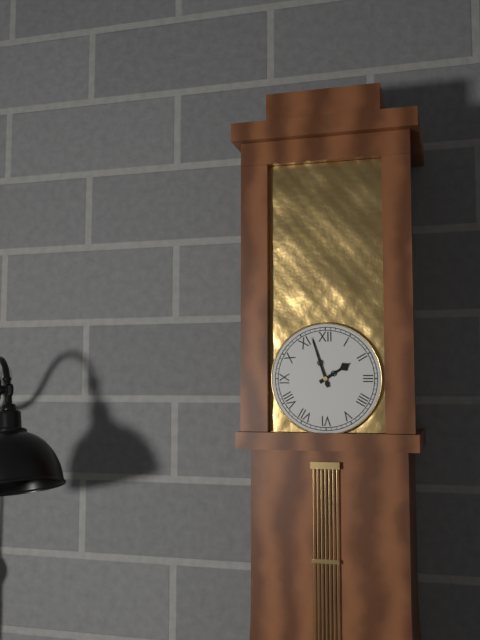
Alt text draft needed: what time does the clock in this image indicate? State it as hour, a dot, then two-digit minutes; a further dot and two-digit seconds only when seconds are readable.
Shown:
1.57
